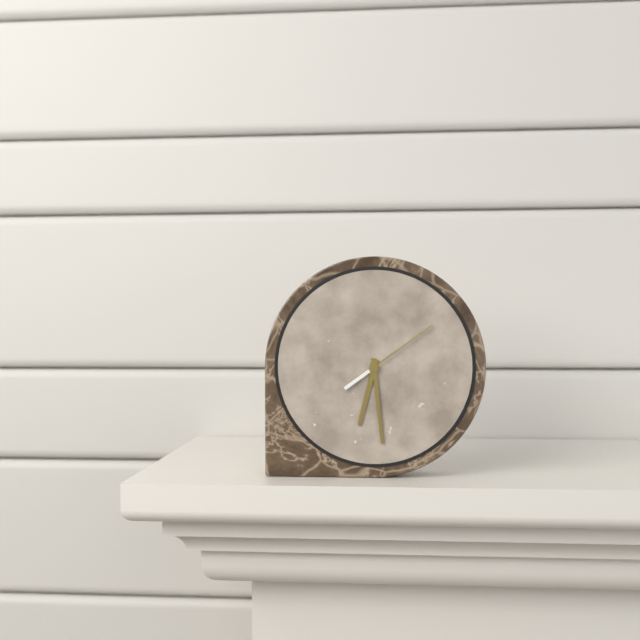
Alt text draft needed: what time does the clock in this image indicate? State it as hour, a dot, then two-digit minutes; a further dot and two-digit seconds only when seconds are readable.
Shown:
6.29.09
